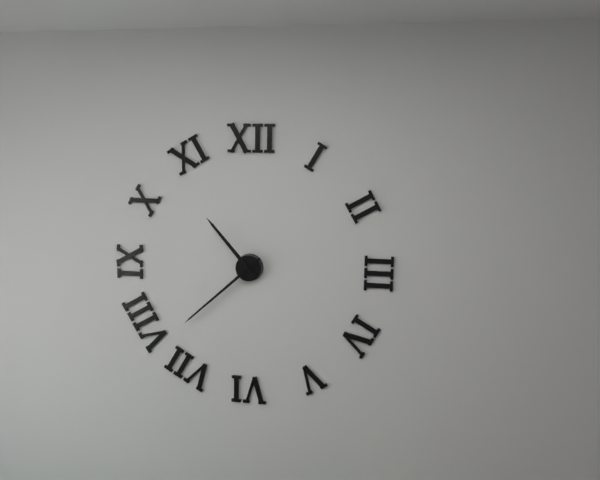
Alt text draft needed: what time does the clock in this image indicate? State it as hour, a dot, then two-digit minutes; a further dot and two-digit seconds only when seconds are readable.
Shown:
10.38
